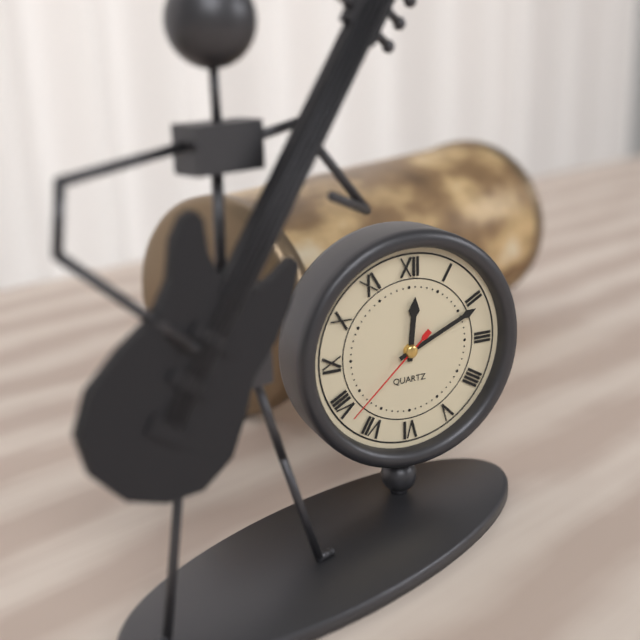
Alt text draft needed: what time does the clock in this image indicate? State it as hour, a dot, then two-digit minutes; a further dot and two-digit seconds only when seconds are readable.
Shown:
12.11.38
